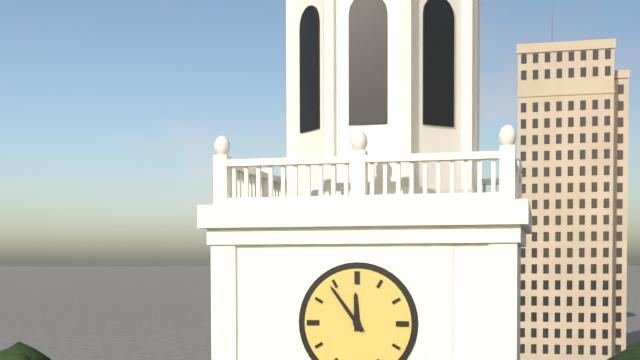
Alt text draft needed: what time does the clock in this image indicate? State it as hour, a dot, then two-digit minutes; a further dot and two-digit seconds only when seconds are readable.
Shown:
11.54
